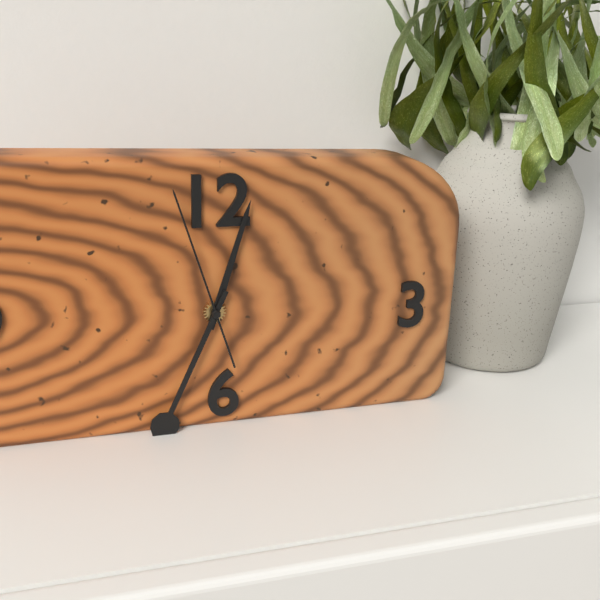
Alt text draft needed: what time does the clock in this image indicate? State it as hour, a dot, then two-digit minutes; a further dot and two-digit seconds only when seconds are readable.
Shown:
12.34.57
